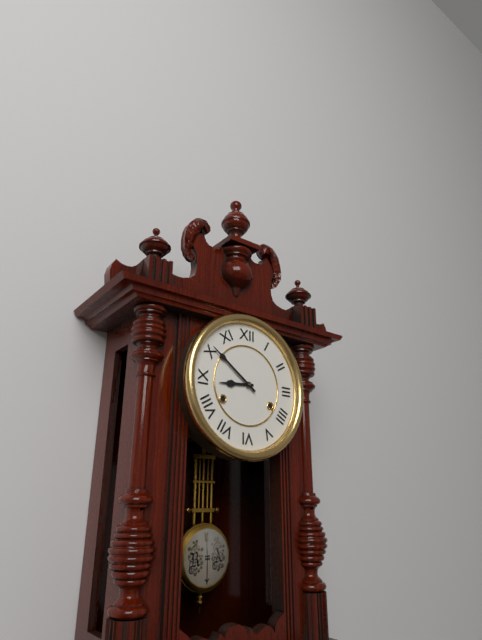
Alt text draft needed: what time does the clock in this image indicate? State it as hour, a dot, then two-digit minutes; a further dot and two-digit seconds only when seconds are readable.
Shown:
8.51
